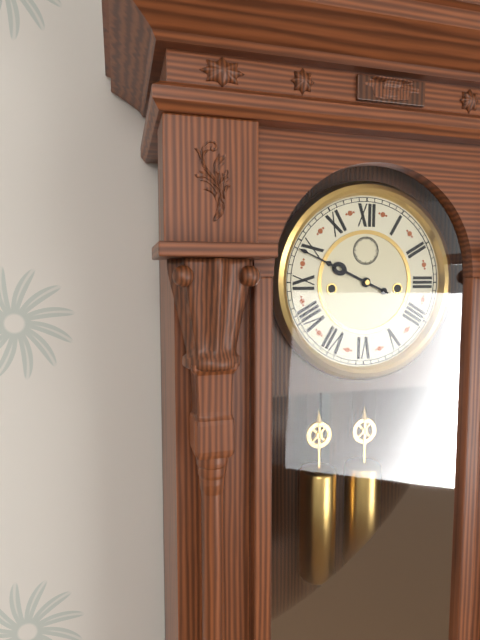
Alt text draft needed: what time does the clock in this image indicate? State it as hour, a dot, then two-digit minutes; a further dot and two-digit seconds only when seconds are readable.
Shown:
9.49
